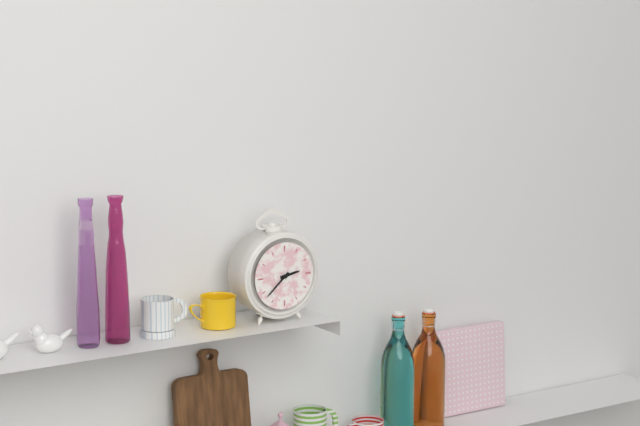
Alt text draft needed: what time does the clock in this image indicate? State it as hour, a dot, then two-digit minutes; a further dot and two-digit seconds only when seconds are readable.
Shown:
2.38
